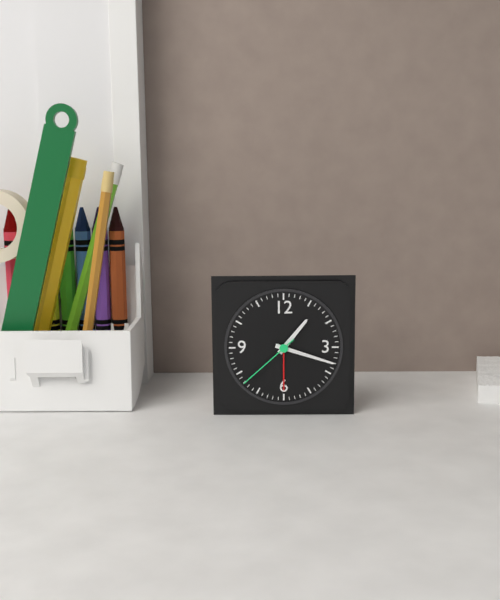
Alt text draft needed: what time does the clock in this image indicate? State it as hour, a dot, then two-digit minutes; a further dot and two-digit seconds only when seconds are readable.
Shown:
1.18.38
